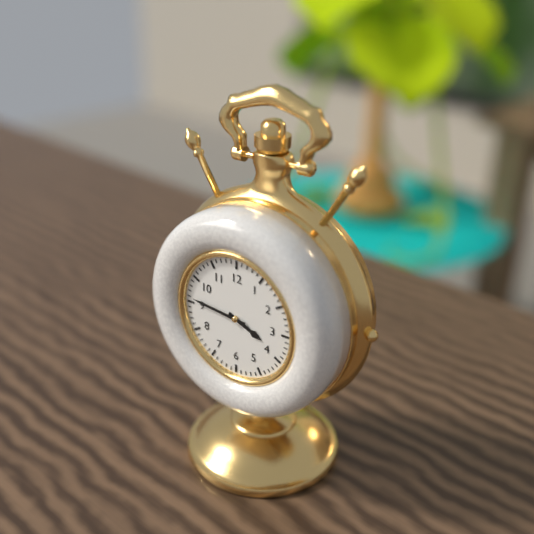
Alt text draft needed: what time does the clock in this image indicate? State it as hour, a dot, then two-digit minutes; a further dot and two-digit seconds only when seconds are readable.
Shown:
3.46
